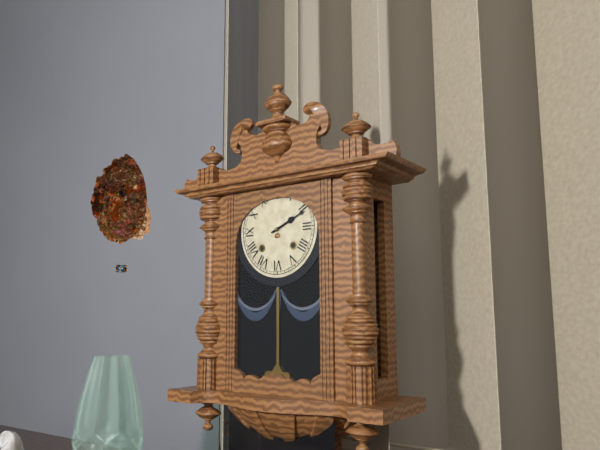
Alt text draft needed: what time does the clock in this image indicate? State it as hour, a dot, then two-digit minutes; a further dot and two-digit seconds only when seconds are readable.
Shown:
2.11
